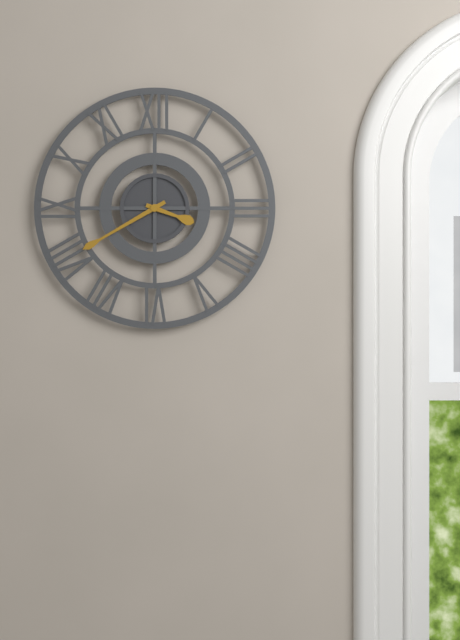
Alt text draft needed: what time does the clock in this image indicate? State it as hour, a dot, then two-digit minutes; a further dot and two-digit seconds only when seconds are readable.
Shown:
3.40
